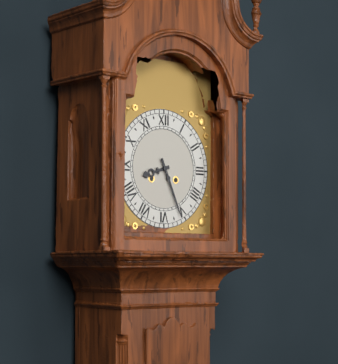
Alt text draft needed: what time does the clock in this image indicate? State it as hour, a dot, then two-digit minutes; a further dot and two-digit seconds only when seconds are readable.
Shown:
8.26
